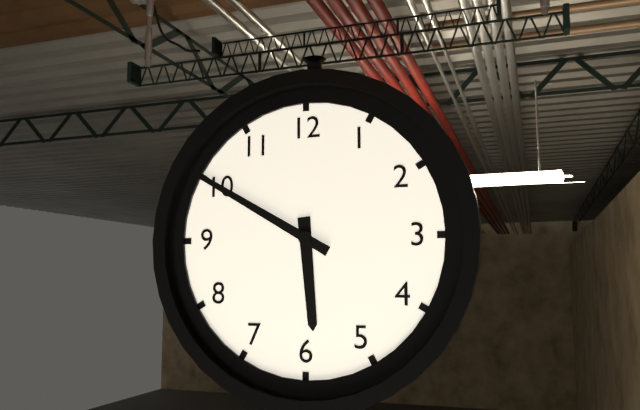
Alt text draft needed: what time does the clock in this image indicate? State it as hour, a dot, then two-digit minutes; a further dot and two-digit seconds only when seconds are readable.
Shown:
5.50
